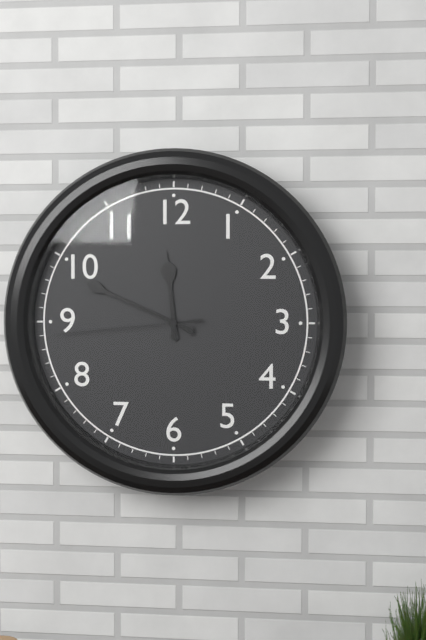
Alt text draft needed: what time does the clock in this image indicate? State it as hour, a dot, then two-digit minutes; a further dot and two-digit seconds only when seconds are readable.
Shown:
11.49.44
